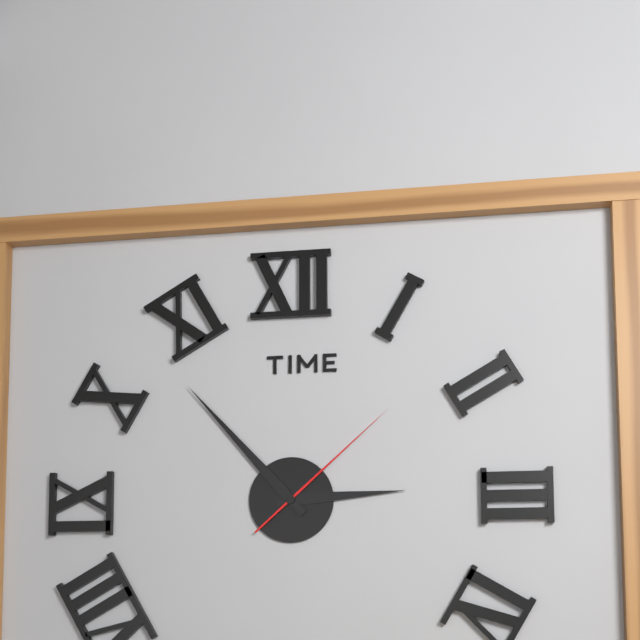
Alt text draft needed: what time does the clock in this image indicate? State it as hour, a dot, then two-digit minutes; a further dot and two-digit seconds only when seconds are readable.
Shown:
2.53.08
